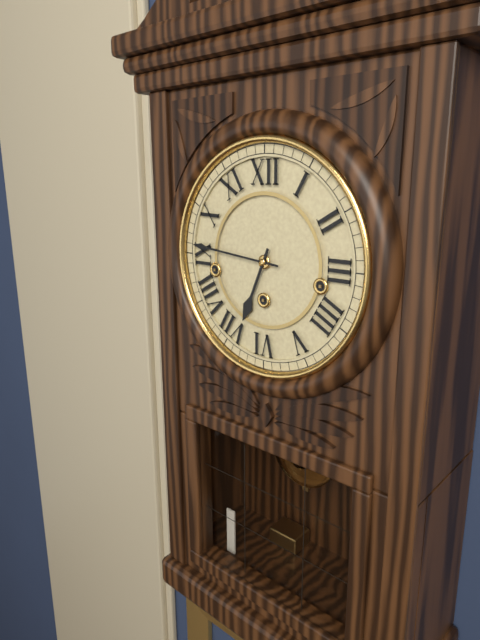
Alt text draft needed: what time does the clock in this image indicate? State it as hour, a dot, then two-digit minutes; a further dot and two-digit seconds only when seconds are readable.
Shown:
6.46
